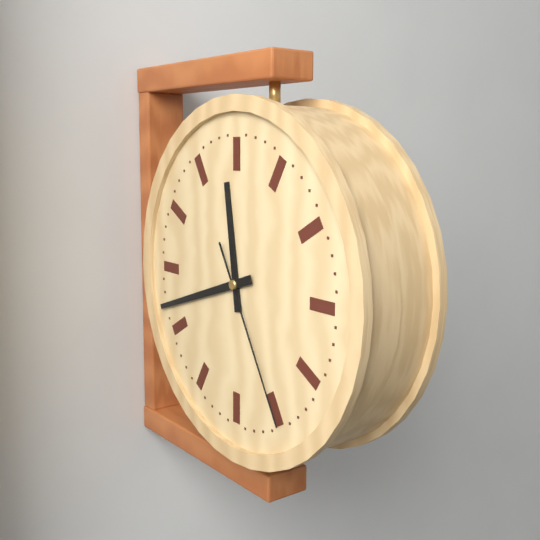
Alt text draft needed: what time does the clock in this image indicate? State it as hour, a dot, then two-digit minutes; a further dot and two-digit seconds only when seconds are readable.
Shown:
11.42.25
